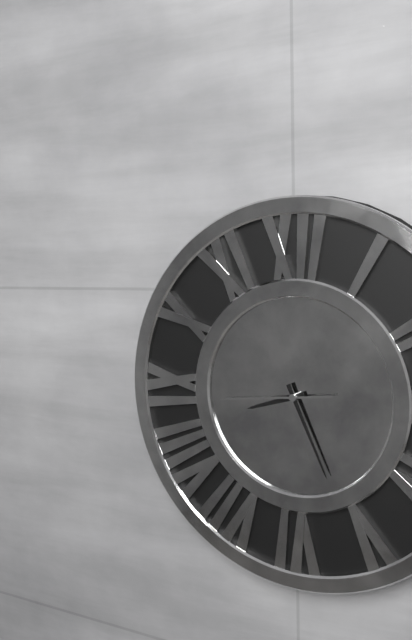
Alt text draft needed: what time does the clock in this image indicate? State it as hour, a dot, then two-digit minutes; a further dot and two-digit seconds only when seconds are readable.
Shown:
8.26.44
